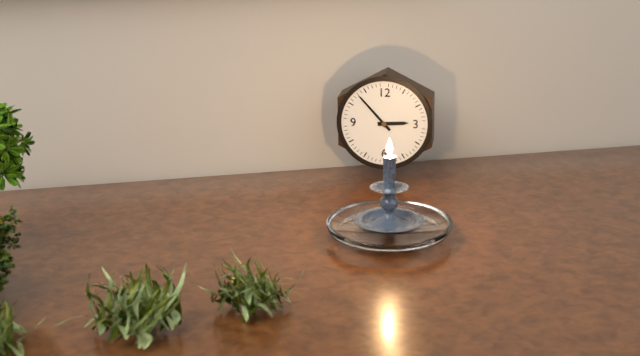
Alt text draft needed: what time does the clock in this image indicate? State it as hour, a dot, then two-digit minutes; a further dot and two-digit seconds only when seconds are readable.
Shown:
2.53
